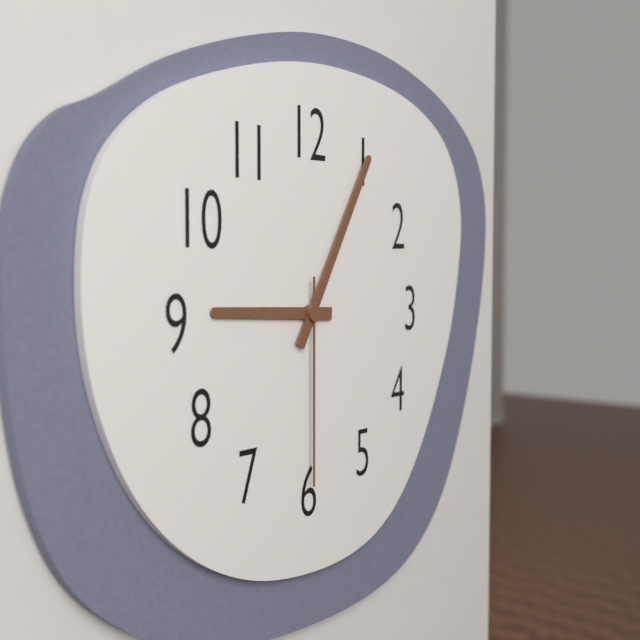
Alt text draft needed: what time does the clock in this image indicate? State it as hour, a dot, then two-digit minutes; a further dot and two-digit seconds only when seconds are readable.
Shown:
9.05.30
